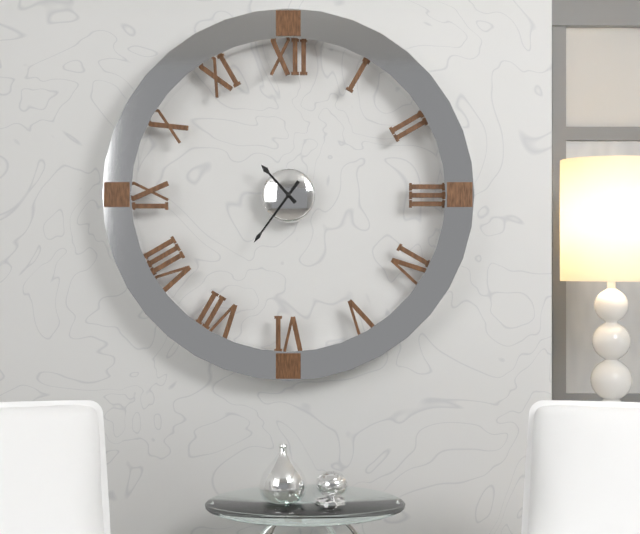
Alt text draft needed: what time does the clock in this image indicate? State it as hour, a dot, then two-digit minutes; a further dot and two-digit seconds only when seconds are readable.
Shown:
10.36
